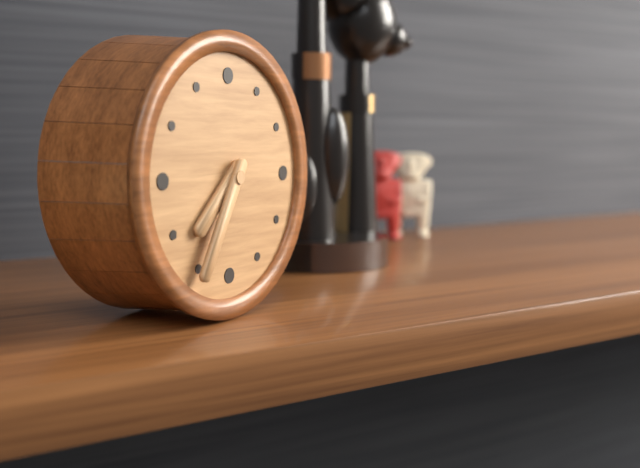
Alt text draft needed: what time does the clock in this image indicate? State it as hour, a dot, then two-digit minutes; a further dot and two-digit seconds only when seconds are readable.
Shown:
7.35
